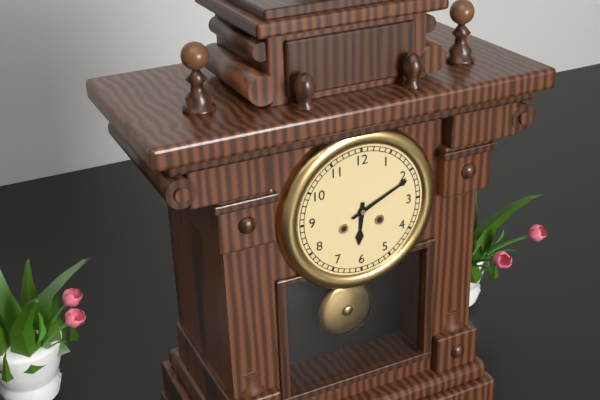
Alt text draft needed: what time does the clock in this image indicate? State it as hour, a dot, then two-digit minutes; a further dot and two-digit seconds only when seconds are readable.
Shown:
6.11
